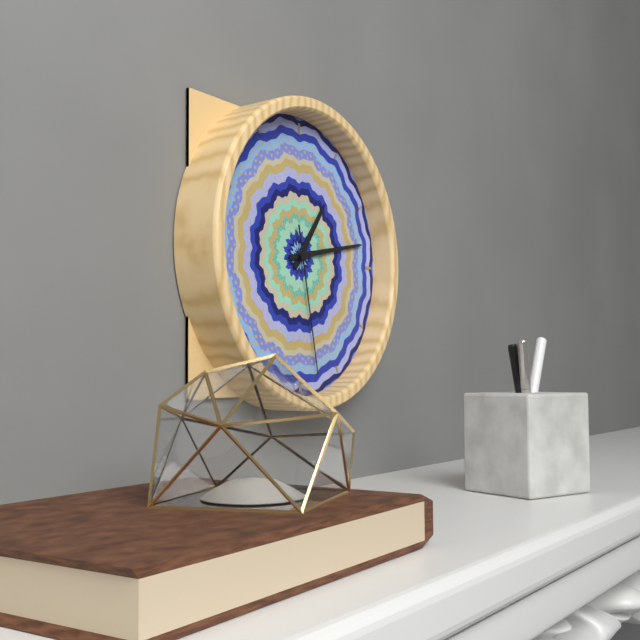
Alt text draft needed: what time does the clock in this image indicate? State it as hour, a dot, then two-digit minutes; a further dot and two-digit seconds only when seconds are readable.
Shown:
1.13.28
